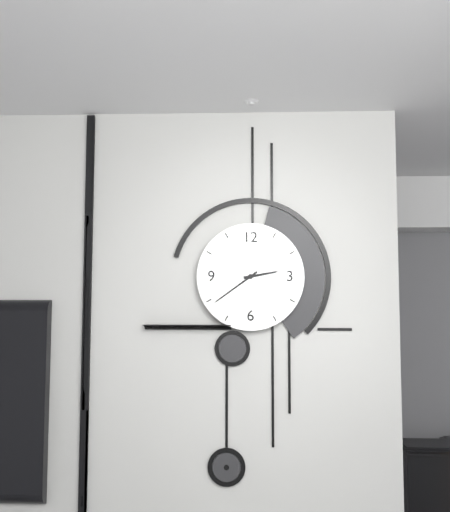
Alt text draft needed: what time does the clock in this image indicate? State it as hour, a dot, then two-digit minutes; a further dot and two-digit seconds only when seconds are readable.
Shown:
2.39
